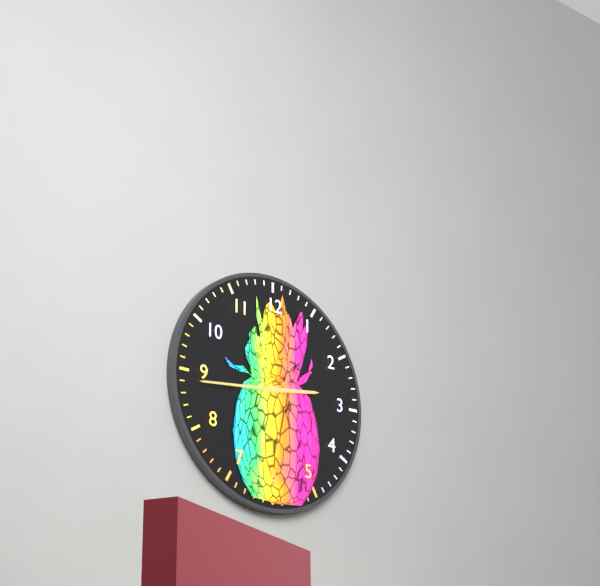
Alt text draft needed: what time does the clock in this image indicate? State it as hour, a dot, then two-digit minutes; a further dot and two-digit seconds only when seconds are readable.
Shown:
2.44
